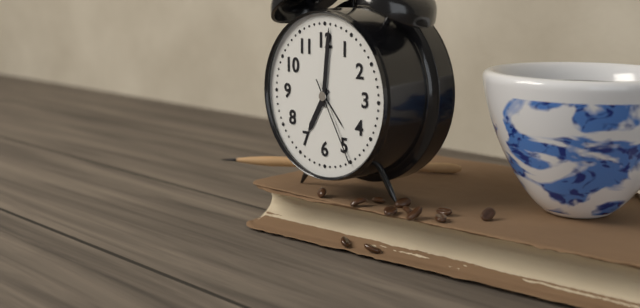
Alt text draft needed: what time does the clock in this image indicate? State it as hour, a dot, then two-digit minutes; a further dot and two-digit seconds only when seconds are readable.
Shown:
7.01.25
